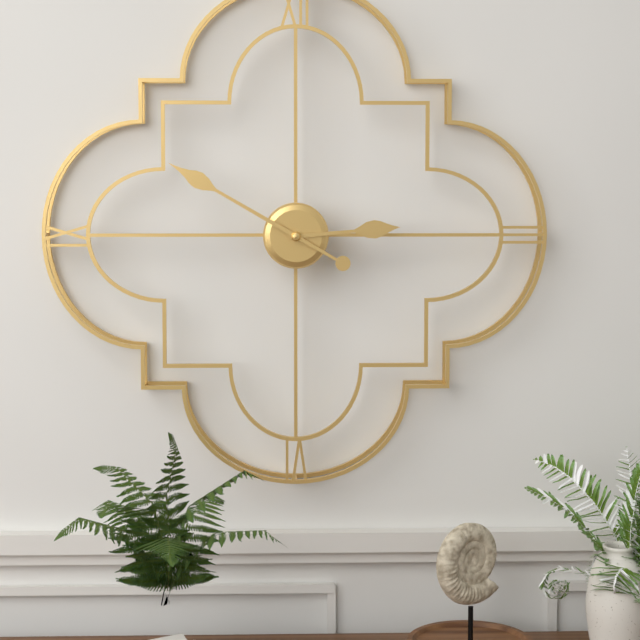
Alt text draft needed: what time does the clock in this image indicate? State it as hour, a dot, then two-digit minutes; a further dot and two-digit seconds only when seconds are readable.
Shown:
2.50
